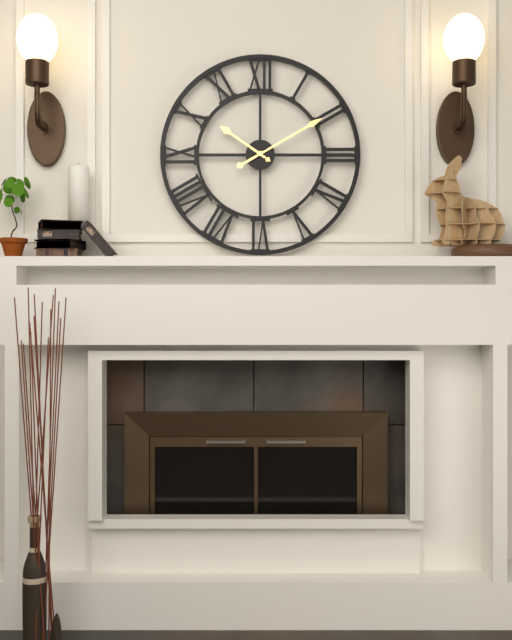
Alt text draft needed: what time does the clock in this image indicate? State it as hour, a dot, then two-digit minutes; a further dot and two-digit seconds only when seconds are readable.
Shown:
10.10
